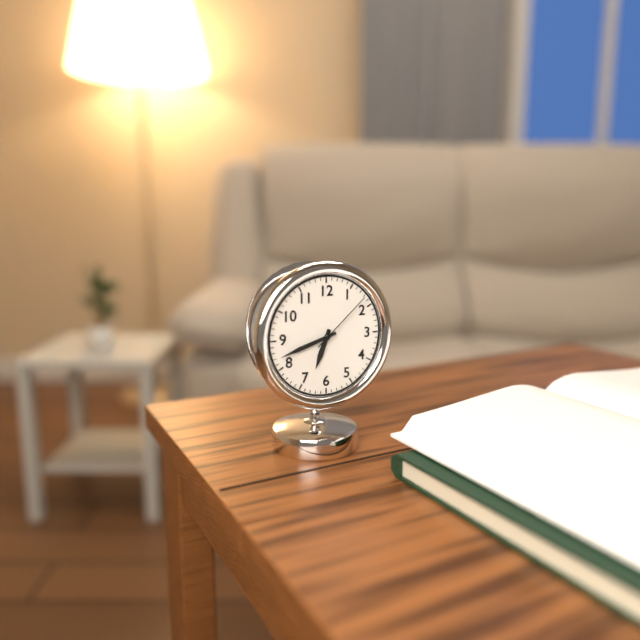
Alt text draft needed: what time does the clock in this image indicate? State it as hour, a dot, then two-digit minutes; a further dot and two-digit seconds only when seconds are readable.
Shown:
6.42.08
